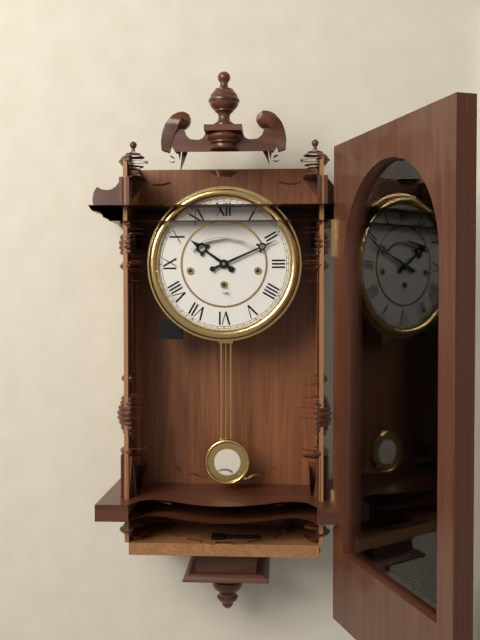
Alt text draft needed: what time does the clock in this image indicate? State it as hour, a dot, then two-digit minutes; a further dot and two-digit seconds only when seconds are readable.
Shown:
10.11
